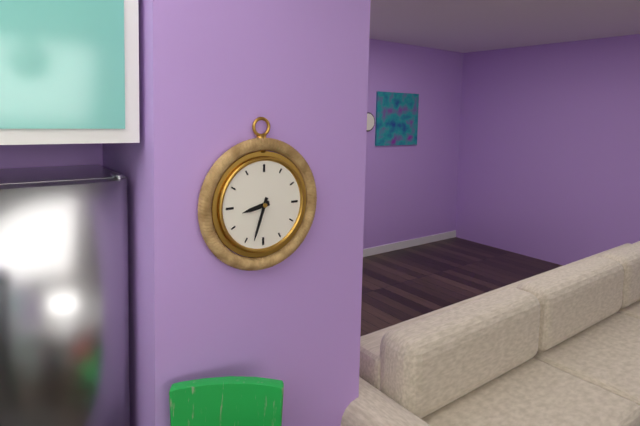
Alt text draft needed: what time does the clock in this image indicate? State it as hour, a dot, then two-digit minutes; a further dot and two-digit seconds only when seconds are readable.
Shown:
8.33
